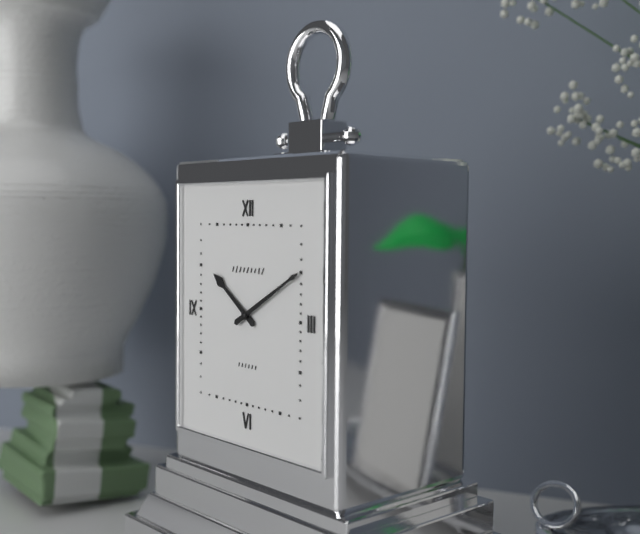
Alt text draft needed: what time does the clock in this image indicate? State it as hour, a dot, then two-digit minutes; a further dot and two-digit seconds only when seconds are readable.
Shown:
10.10
